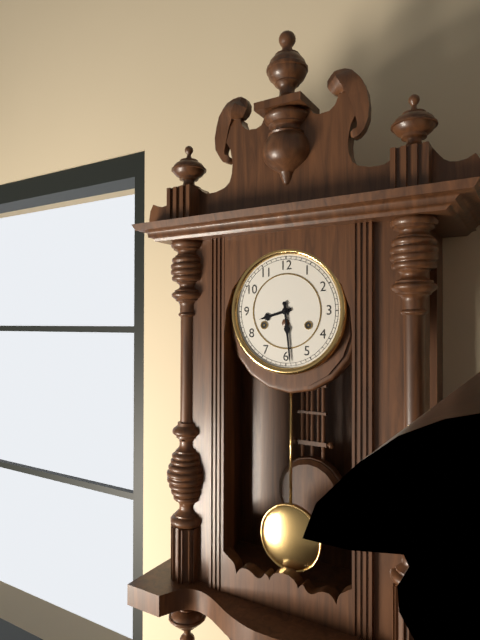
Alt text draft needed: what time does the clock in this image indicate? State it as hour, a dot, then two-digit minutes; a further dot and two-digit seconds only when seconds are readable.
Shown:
8.29
